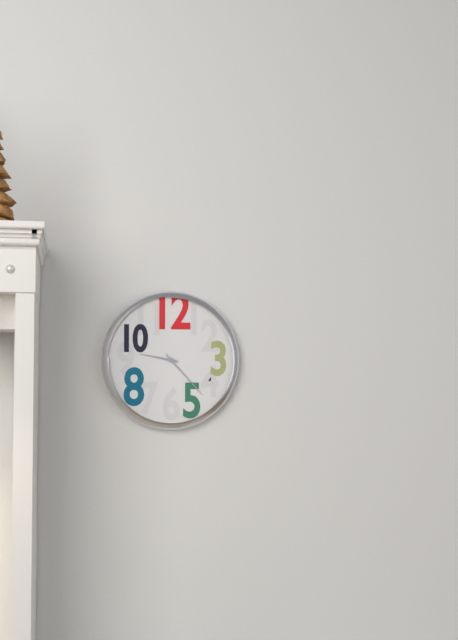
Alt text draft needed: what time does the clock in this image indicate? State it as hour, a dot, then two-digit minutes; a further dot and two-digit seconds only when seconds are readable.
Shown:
9.23
